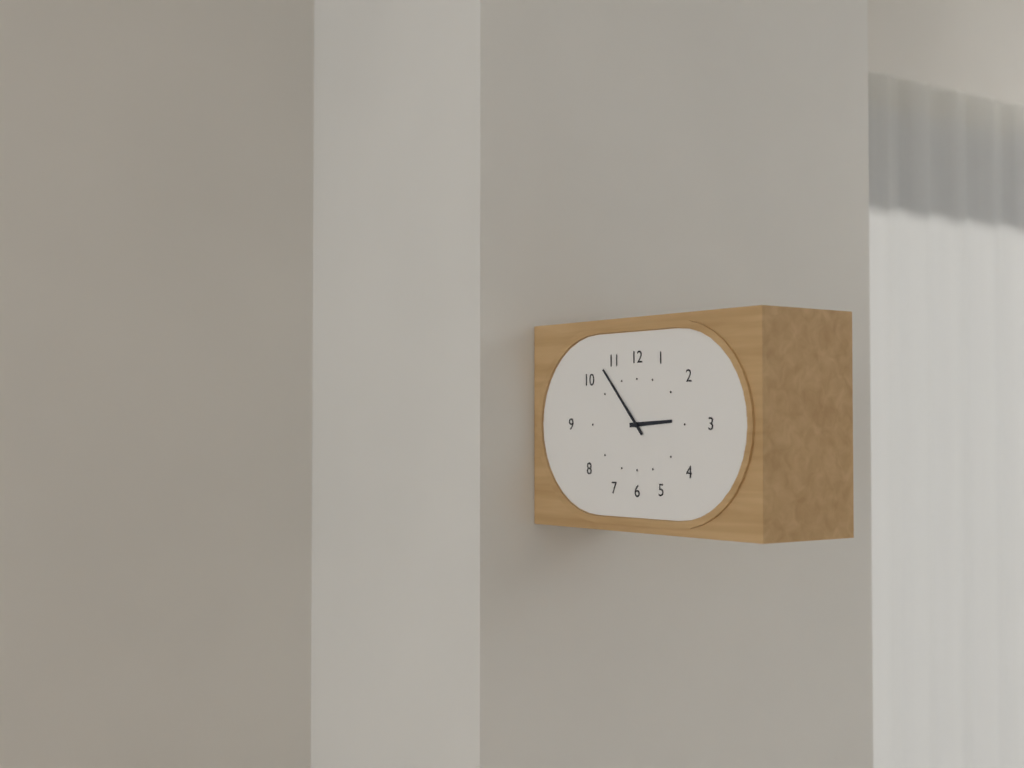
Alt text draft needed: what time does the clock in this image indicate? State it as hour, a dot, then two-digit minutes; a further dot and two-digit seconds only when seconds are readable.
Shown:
2.53
